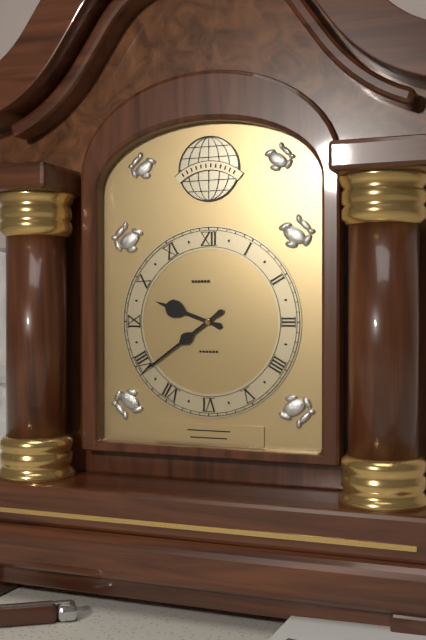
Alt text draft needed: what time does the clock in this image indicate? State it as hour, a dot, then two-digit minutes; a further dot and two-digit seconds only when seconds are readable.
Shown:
9.39
